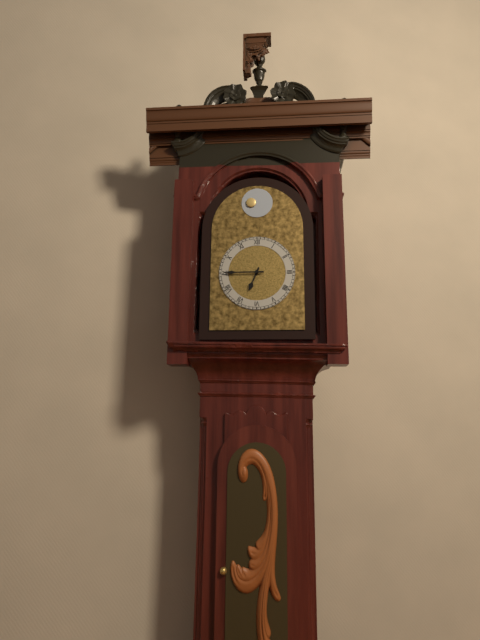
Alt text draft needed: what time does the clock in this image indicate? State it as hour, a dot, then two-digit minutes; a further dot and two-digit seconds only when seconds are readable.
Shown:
6.45
